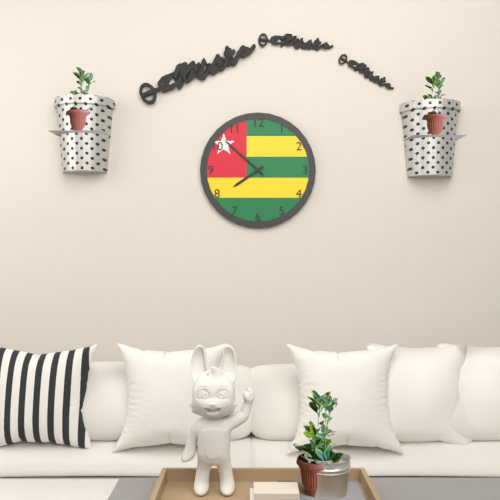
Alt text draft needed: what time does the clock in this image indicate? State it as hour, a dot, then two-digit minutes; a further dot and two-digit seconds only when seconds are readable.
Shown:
7.52
